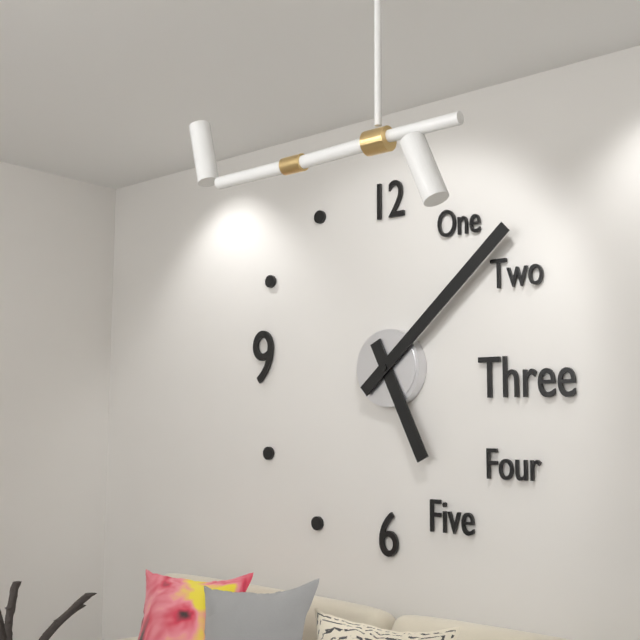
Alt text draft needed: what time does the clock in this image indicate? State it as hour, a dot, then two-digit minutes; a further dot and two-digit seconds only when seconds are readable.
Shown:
5.08
